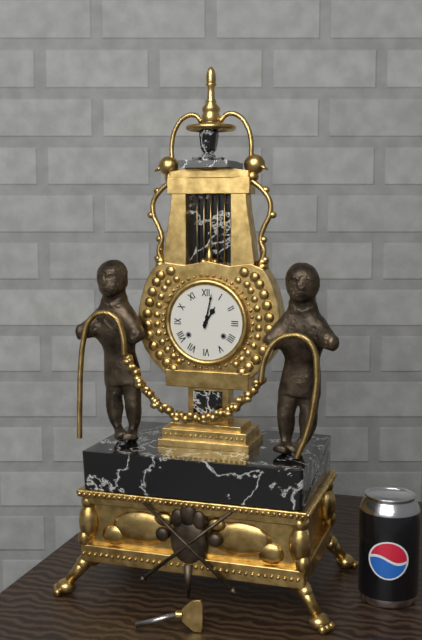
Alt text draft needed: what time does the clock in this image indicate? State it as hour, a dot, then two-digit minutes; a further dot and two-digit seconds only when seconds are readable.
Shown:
1.02
